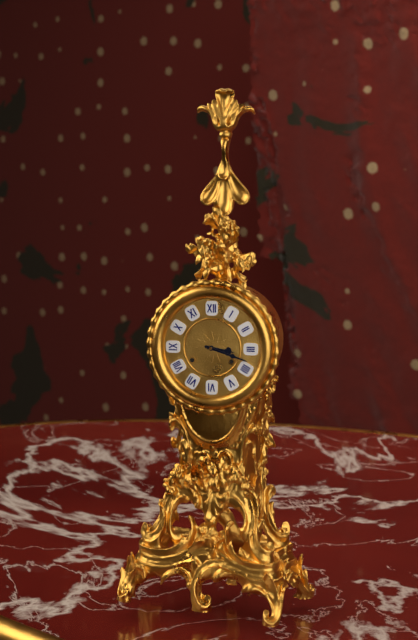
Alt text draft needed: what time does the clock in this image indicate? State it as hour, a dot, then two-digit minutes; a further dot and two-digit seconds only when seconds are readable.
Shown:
3.18
